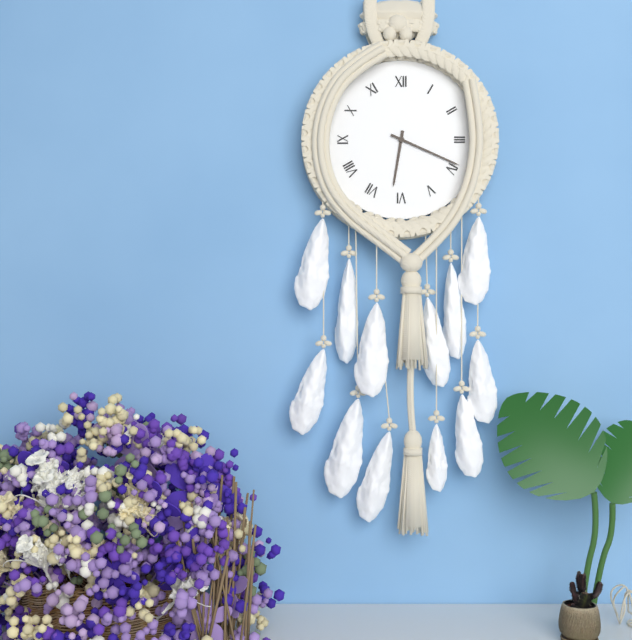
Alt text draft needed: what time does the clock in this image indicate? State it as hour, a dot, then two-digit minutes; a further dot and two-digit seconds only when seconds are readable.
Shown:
6.19
